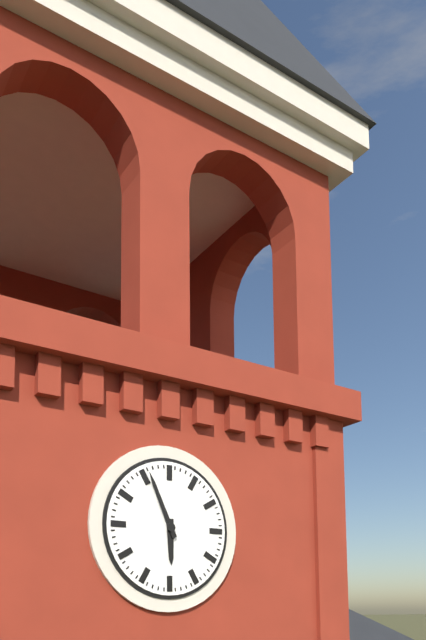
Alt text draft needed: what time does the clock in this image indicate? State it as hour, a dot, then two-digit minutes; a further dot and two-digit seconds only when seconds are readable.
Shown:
5.56
